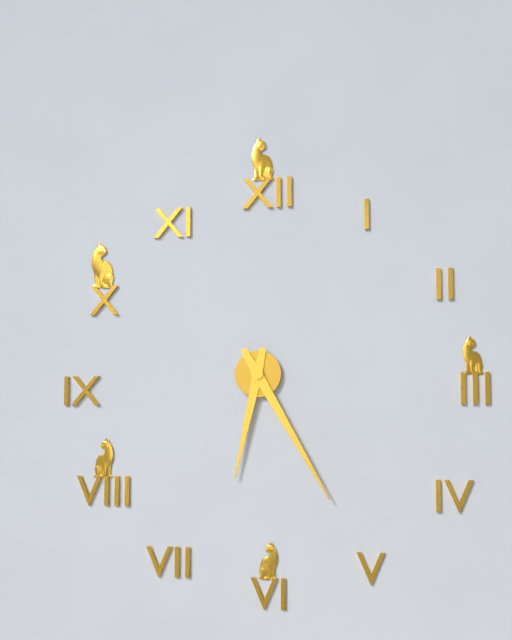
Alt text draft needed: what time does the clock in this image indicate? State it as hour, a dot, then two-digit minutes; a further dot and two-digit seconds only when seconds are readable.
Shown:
6.25
